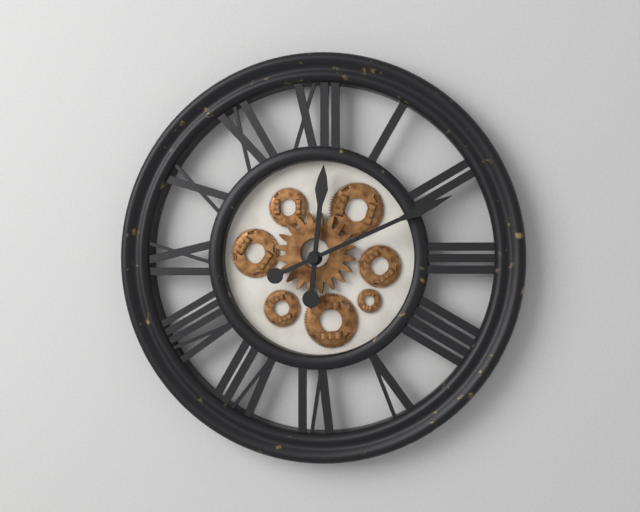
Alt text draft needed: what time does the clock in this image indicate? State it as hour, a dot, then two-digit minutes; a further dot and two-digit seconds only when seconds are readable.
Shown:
12.11
